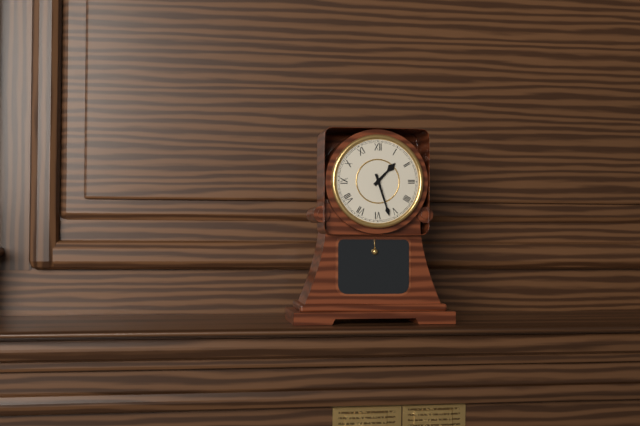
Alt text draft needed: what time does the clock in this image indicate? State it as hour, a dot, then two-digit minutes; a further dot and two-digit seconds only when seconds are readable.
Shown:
1.27
